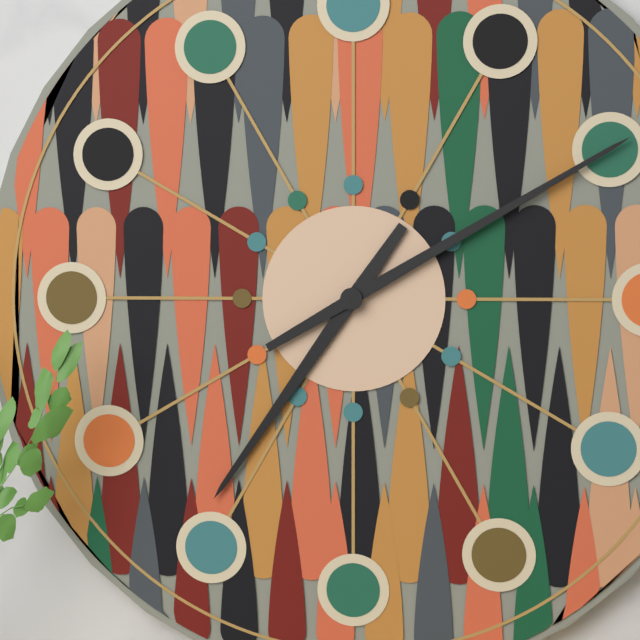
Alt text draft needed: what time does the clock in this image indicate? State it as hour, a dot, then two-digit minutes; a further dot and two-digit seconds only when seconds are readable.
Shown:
7.10
